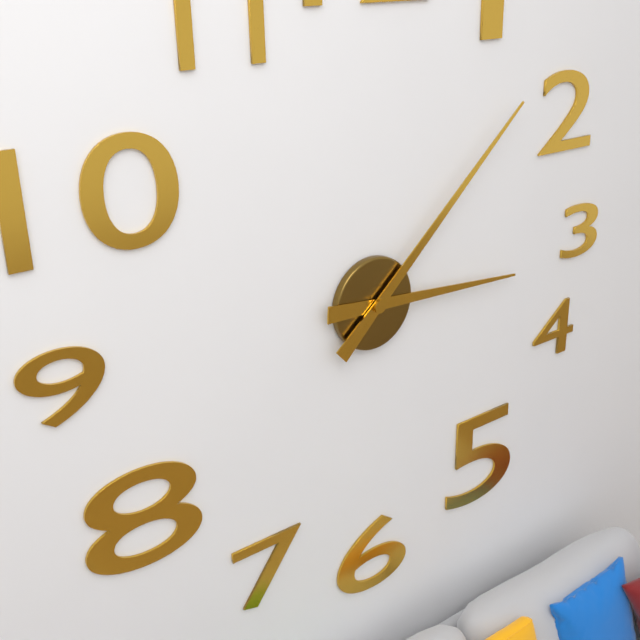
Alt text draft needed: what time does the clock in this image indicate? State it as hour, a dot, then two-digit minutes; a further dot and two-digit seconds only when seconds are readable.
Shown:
3.08
